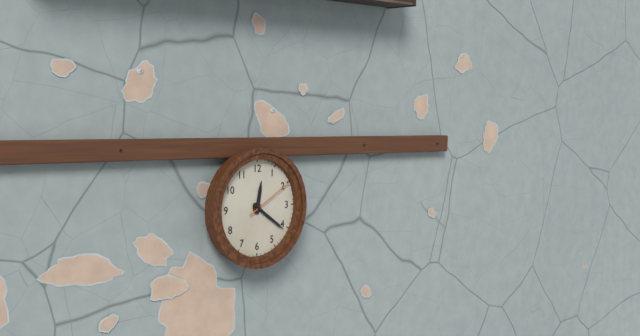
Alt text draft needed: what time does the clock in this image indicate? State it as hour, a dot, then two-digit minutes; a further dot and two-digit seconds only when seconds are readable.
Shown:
12.21.10
